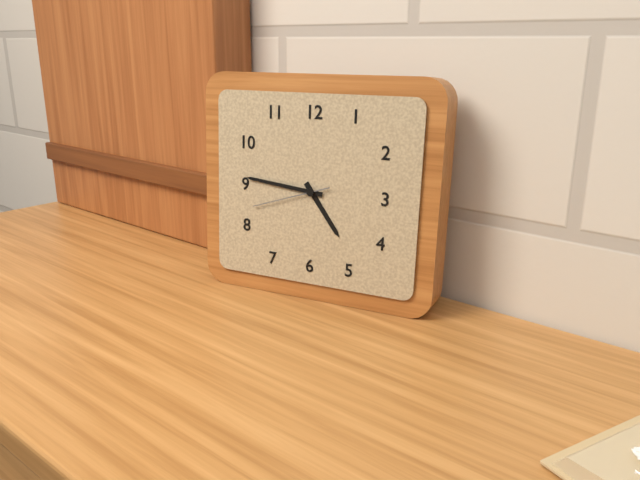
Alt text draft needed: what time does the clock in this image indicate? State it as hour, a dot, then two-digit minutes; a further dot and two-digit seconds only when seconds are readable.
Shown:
4.46.42
